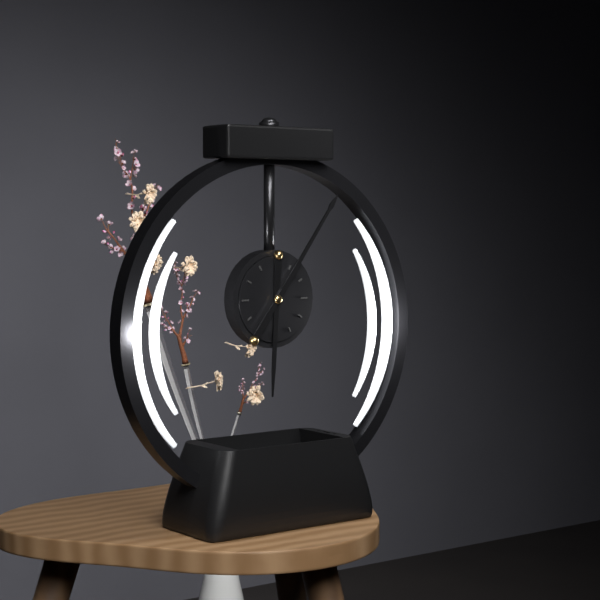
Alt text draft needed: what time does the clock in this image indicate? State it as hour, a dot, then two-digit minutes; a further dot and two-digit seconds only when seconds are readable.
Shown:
6.06
